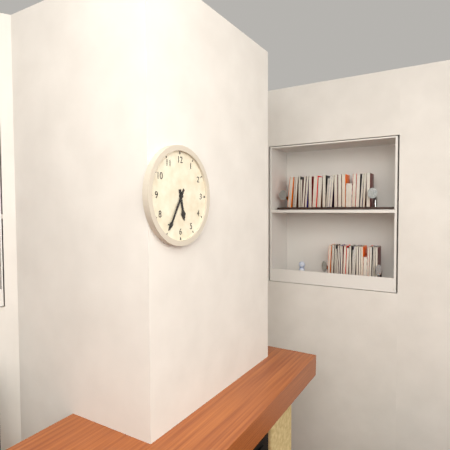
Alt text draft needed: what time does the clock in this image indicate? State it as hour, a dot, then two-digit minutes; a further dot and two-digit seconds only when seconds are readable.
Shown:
5.35
